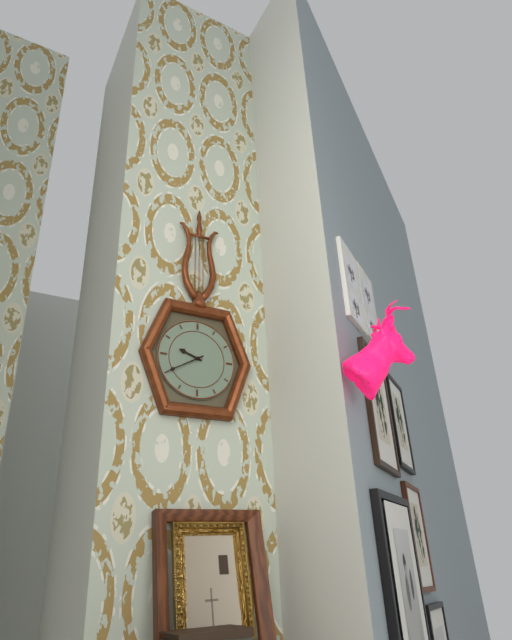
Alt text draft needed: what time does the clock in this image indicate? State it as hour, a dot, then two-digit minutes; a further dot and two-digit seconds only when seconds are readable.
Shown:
9.40
